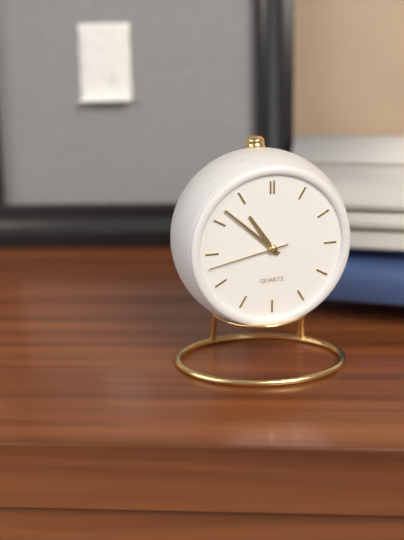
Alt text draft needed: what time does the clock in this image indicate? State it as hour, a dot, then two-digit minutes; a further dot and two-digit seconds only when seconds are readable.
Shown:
10.52.43
